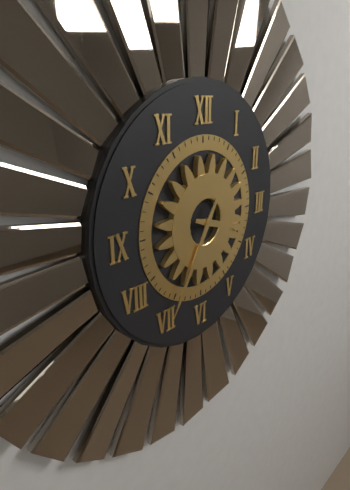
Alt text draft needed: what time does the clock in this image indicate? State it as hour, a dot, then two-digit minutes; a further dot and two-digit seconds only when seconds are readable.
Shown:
3.35
